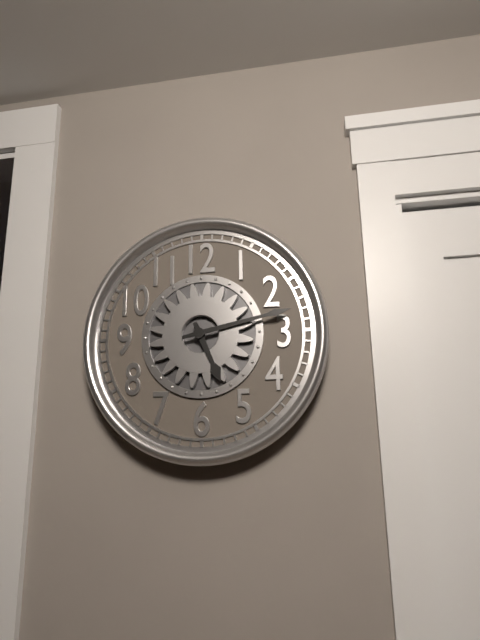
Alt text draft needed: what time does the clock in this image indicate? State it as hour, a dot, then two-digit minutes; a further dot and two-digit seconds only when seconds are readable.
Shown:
5.13
